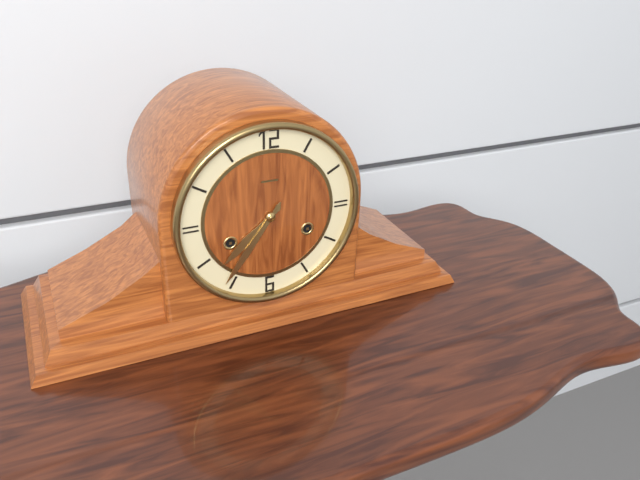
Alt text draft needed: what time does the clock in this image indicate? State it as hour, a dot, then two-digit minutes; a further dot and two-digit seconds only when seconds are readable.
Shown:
7.36
